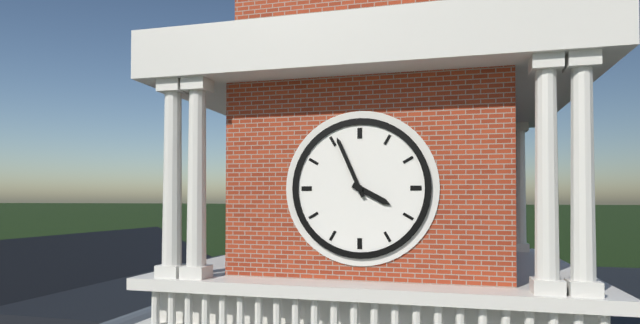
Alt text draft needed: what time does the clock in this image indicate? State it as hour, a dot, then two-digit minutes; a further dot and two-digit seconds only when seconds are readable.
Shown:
3.56
